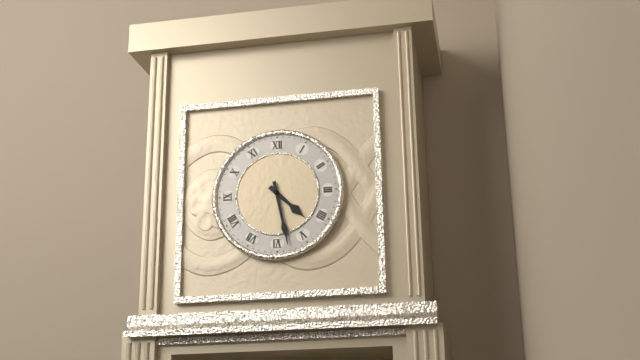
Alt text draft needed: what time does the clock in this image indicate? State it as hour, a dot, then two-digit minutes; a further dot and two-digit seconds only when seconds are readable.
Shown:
4.28
